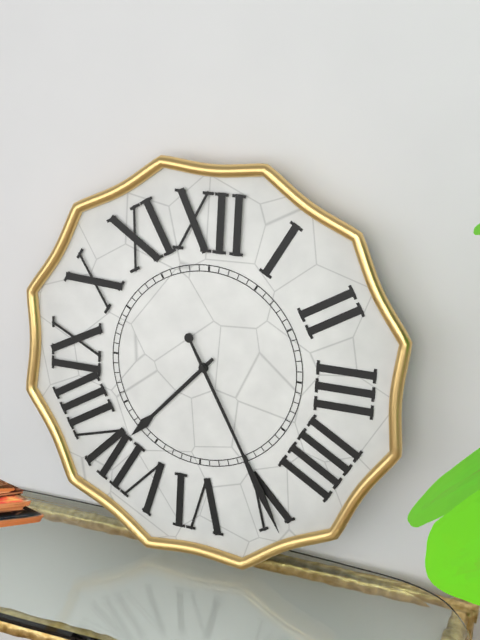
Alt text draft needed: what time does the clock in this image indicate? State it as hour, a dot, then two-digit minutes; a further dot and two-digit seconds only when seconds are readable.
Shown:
7.25
